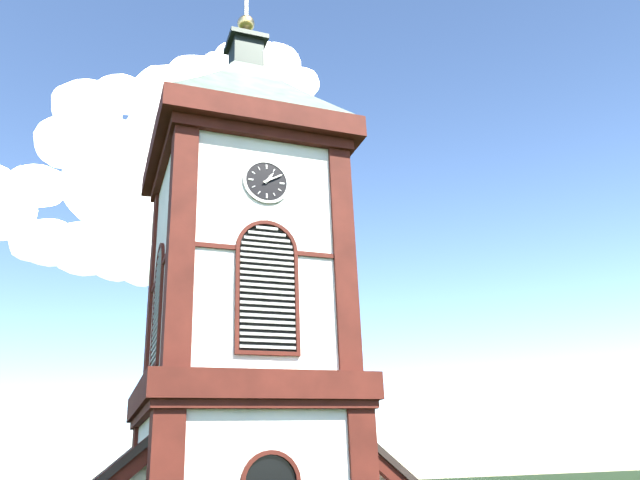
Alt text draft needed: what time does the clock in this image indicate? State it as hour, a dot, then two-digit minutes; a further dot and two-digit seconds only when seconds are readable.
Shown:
1.10
